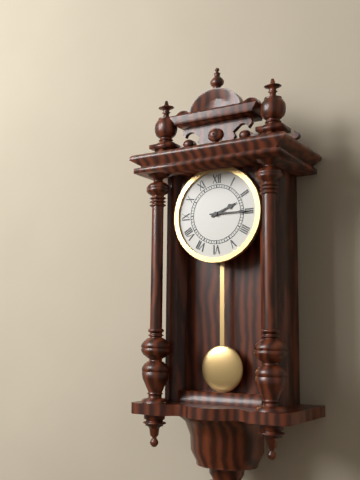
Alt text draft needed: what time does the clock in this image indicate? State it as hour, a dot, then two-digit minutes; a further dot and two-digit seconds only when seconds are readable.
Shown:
2.15
